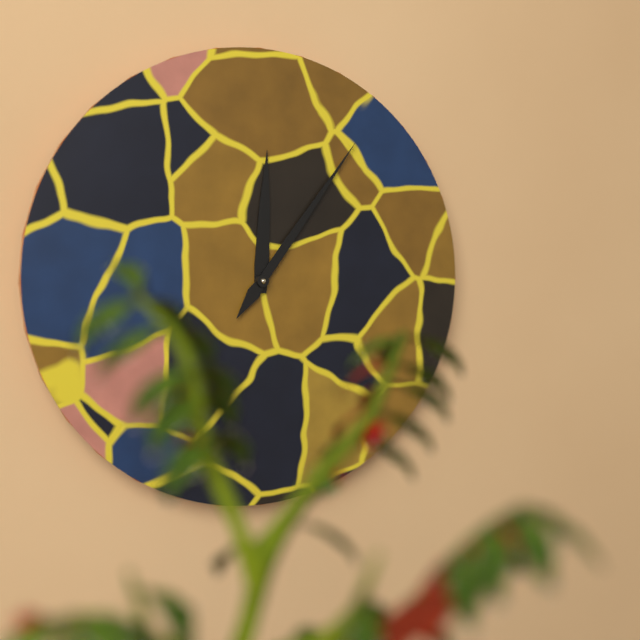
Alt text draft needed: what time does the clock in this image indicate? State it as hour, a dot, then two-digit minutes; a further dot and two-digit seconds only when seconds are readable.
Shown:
12.06
